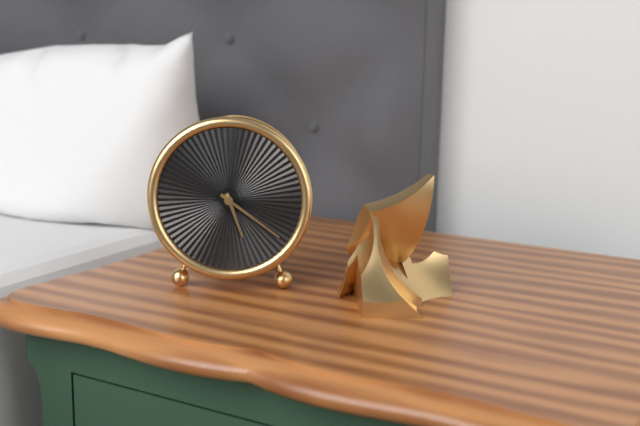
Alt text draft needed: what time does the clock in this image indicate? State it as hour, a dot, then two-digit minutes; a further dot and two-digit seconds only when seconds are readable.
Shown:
5.21
